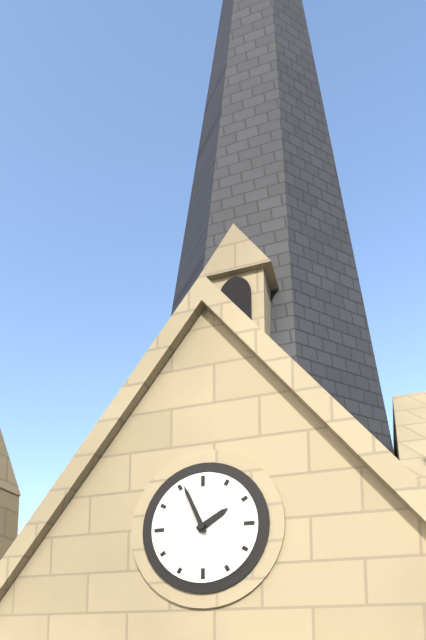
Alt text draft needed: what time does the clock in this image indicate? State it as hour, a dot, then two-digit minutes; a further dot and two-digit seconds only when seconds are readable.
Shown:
1.56
